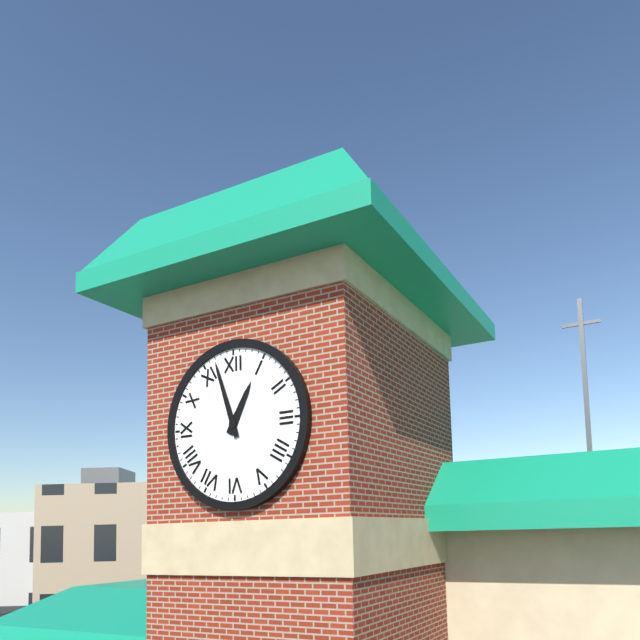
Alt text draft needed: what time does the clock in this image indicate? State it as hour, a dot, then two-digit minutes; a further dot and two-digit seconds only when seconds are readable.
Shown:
12.57
